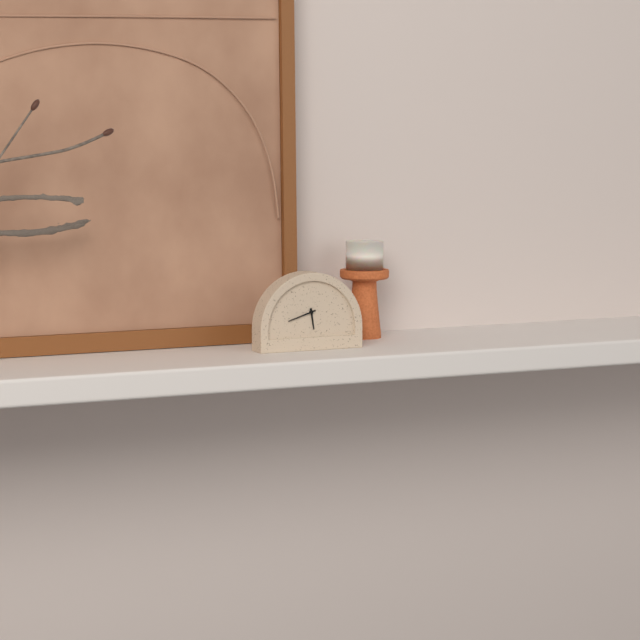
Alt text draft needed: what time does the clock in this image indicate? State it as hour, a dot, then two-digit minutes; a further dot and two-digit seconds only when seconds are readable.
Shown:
5.42
